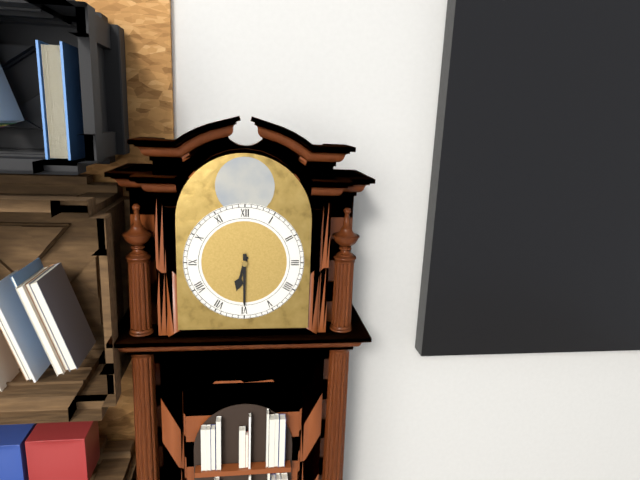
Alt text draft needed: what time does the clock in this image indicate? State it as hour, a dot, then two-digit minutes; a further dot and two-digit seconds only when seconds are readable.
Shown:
6.30
